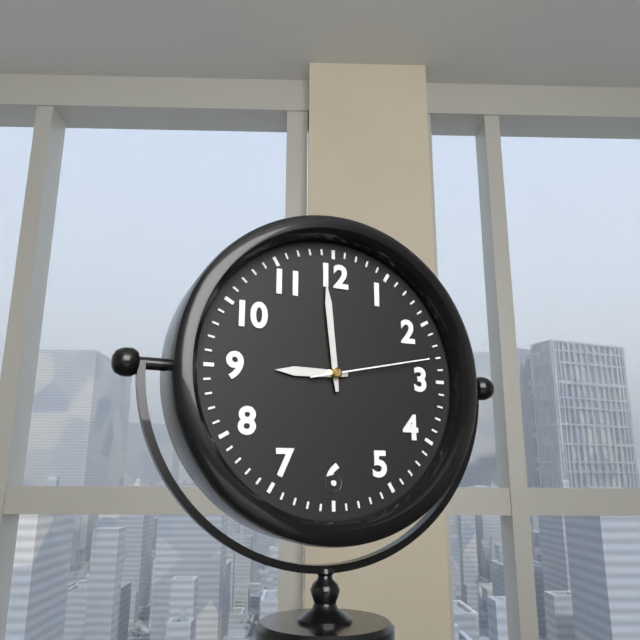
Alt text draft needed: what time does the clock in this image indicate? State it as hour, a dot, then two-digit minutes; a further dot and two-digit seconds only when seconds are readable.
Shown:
8.59.13
